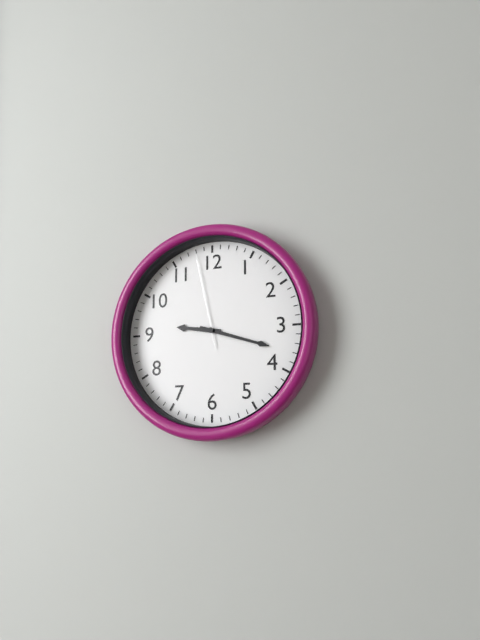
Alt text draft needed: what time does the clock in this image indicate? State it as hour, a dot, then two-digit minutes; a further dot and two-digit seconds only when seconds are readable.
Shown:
9.18.58
